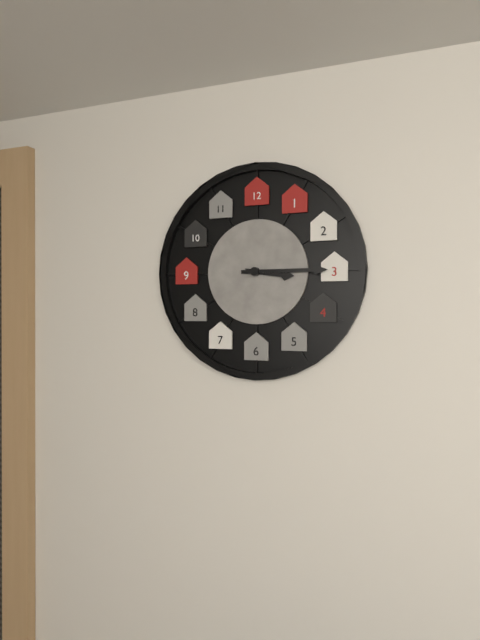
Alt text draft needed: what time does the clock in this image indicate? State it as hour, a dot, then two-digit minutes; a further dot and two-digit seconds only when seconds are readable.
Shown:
3.15
